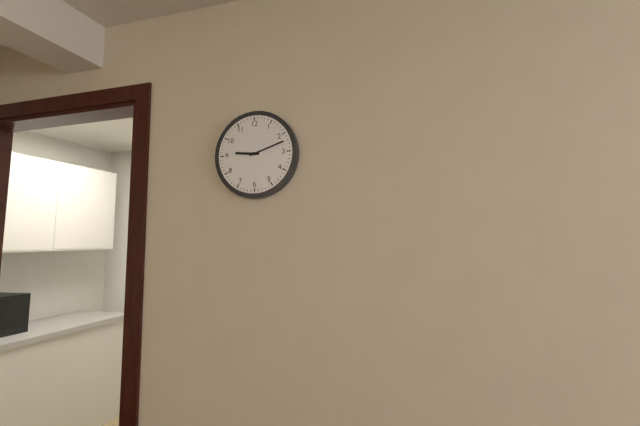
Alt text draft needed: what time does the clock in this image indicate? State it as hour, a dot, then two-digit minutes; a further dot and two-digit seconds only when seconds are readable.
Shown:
9.12
